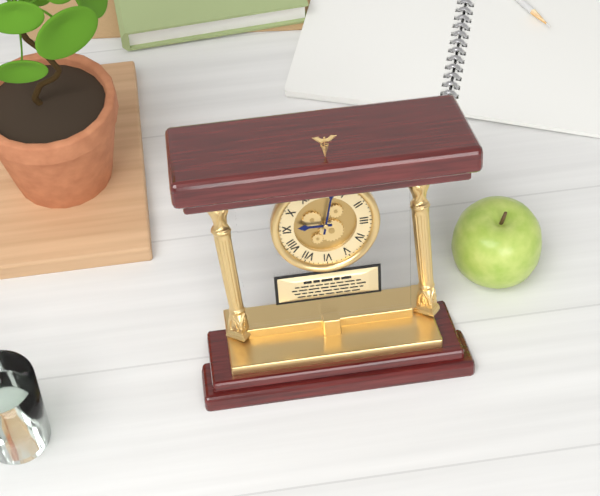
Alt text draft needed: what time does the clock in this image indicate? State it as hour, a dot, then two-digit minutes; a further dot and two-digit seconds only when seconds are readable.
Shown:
9.02
